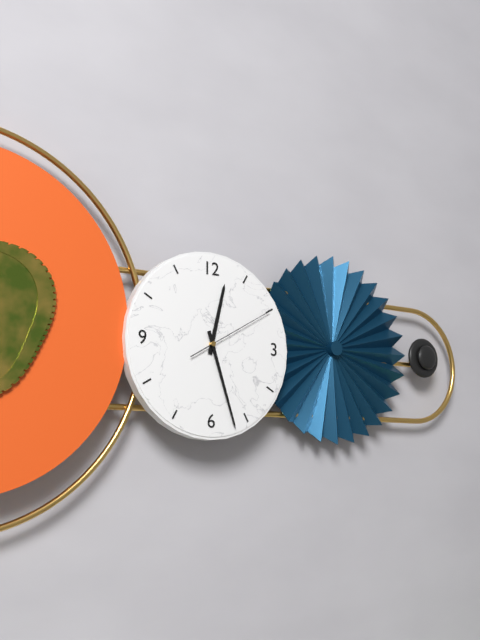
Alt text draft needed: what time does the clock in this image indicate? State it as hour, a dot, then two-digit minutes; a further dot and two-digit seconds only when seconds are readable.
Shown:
12.27.10
